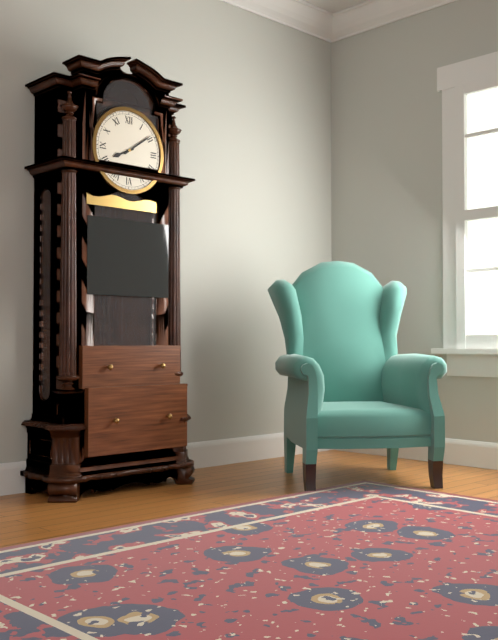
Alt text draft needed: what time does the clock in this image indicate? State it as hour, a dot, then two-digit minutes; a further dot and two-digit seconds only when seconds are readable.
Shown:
8.09
